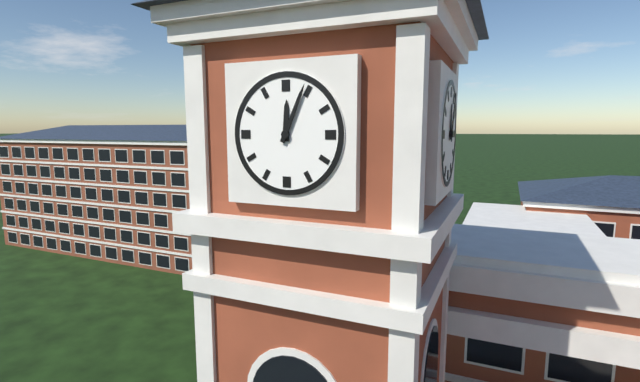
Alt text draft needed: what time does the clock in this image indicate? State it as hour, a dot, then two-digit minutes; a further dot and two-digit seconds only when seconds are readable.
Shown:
12.04
